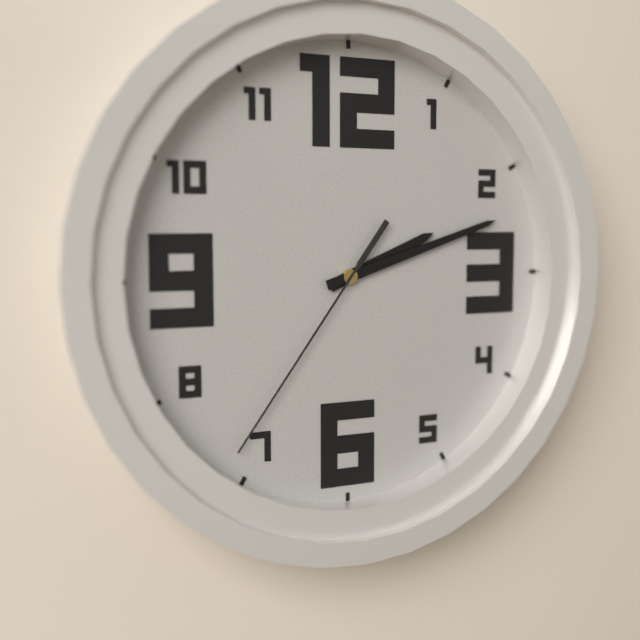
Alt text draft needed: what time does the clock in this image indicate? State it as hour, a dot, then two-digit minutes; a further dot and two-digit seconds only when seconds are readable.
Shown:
2.12.36
